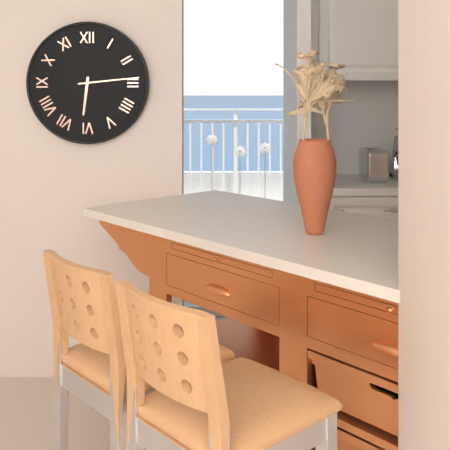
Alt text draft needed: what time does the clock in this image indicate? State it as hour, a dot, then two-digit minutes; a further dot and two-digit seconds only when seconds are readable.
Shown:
6.14
